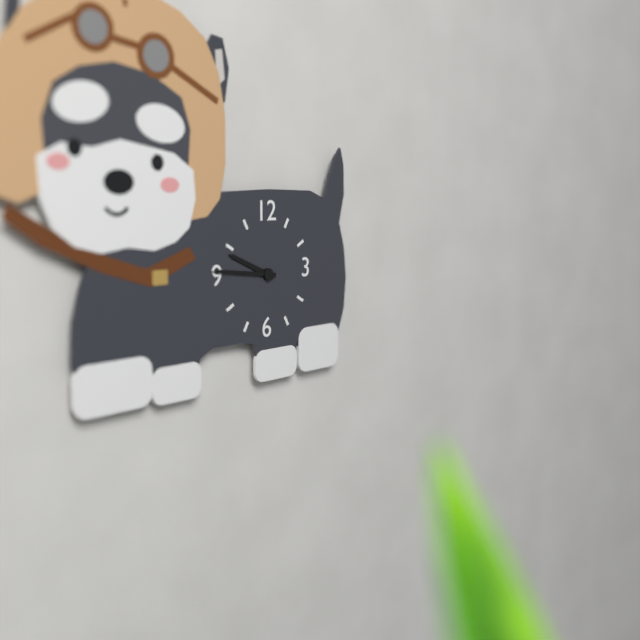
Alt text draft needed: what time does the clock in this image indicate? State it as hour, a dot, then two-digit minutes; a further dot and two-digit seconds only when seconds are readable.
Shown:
9.46
